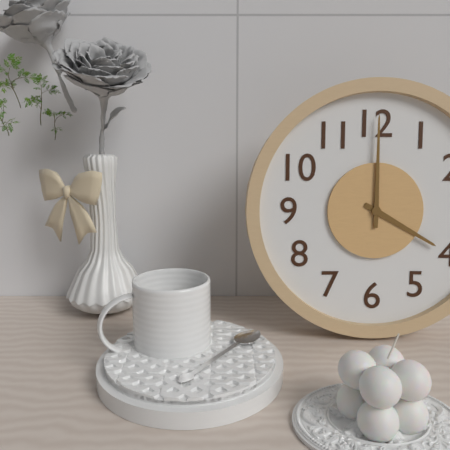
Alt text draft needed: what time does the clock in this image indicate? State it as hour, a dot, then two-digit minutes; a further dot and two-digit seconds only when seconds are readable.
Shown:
4.00
